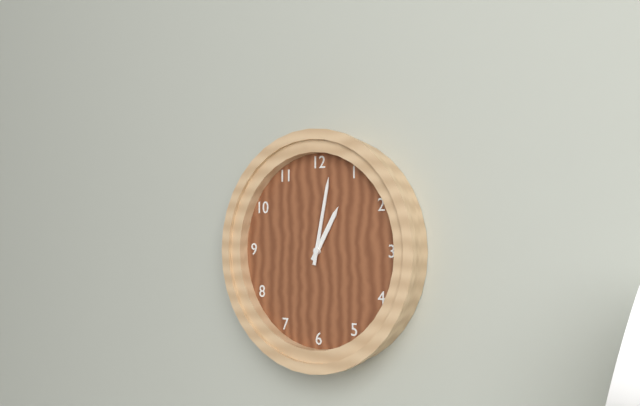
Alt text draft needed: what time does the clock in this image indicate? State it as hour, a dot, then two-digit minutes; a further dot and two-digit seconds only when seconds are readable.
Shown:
1.02
